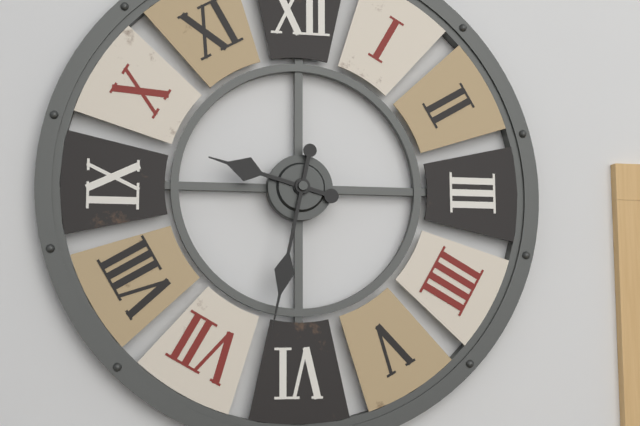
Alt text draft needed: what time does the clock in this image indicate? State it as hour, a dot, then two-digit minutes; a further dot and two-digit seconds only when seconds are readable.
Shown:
9.32
